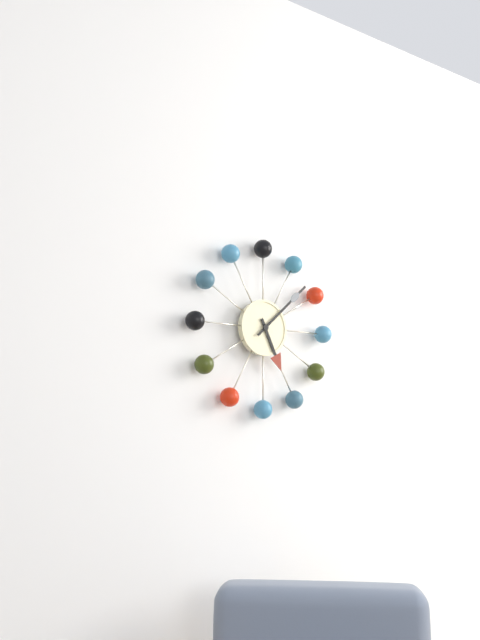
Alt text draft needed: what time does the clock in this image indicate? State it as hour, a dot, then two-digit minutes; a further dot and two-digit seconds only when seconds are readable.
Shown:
5.08
